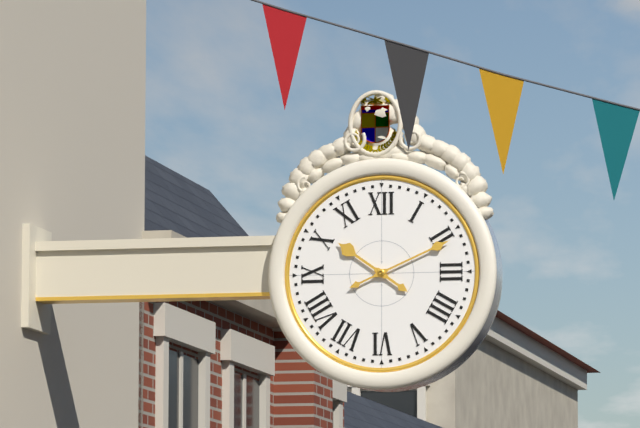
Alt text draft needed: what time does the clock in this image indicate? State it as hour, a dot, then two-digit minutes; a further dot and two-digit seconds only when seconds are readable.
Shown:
10.11
